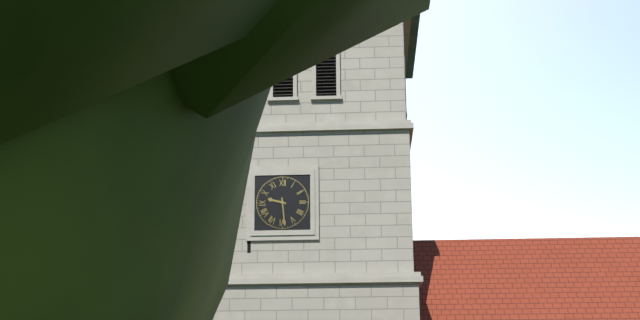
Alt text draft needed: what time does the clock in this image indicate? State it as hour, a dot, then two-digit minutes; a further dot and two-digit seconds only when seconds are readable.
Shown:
9.29
